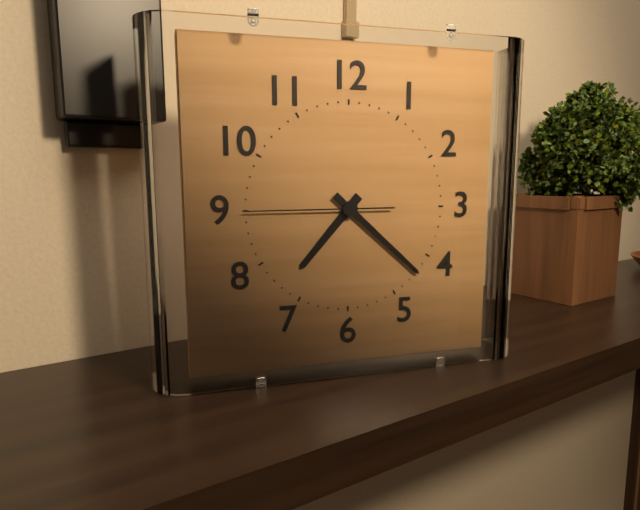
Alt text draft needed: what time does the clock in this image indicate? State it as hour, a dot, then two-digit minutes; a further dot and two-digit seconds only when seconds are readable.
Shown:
7.22.45
